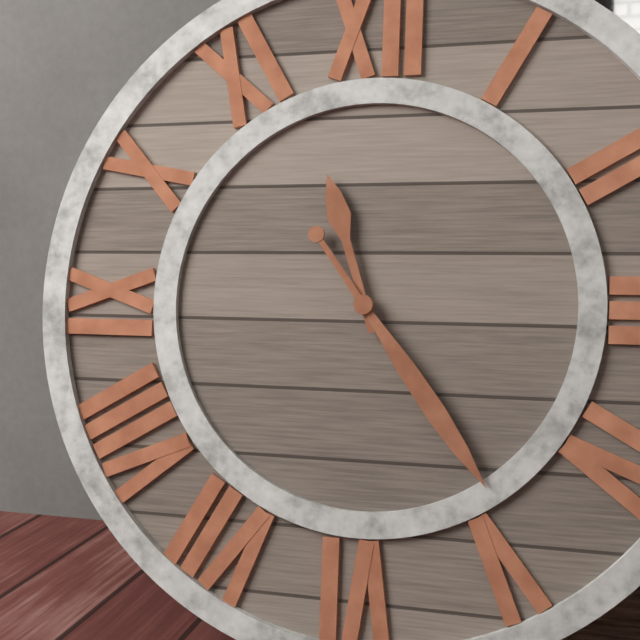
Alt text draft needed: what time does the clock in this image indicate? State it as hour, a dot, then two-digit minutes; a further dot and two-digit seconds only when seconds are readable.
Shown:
11.24
